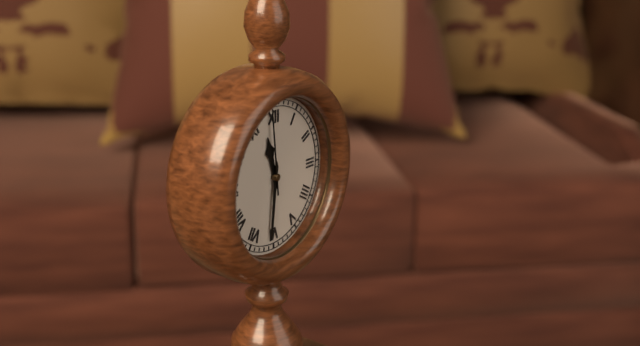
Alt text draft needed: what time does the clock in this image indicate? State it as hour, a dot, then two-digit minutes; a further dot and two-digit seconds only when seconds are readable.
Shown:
11.31.59
